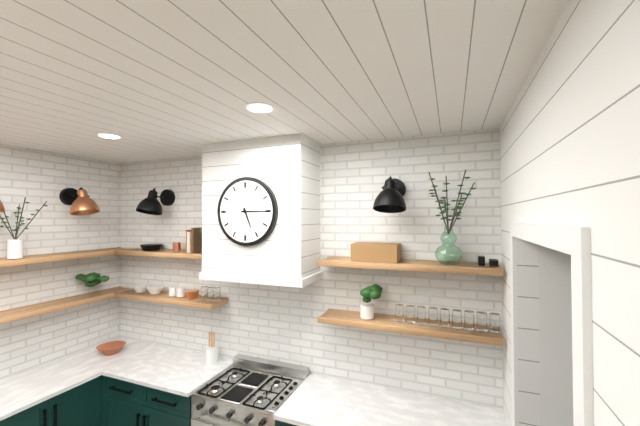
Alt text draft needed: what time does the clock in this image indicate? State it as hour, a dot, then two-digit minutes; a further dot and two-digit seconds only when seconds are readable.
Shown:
5.15
